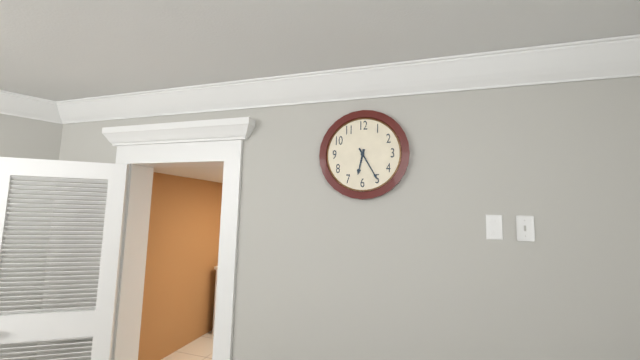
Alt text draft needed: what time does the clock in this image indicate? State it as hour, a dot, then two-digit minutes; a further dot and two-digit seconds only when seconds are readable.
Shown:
6.25
